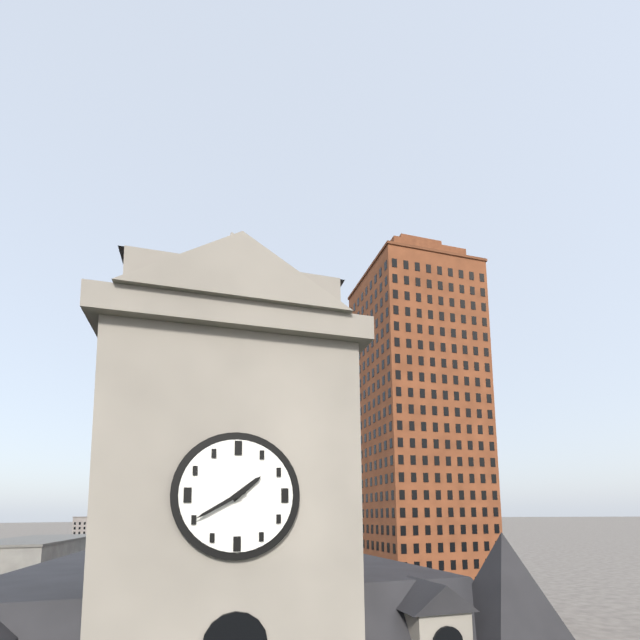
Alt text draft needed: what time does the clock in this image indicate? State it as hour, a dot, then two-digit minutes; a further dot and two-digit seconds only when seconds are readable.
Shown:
1.40
